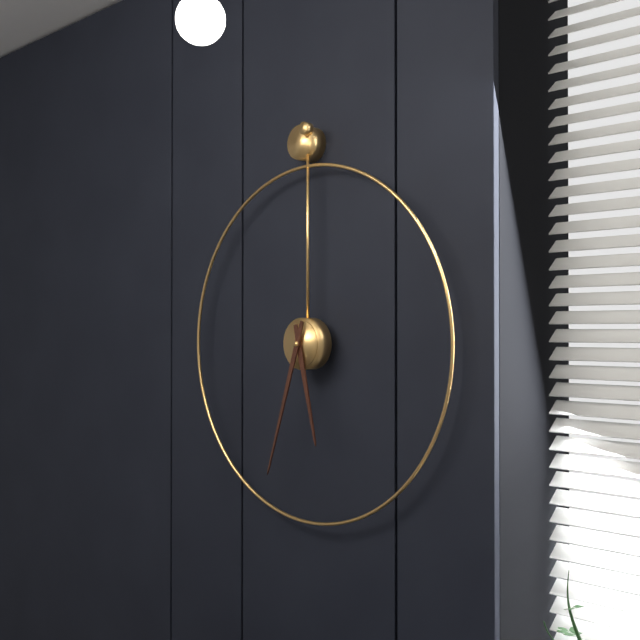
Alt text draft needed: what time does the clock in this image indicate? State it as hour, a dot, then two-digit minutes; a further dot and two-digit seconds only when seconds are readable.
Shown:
5.33
